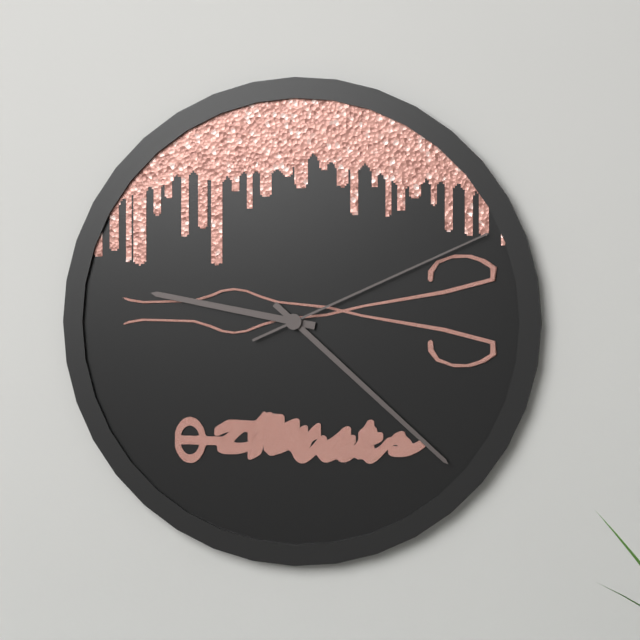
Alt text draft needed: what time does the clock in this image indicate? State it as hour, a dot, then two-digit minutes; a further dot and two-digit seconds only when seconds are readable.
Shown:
9.22.11
